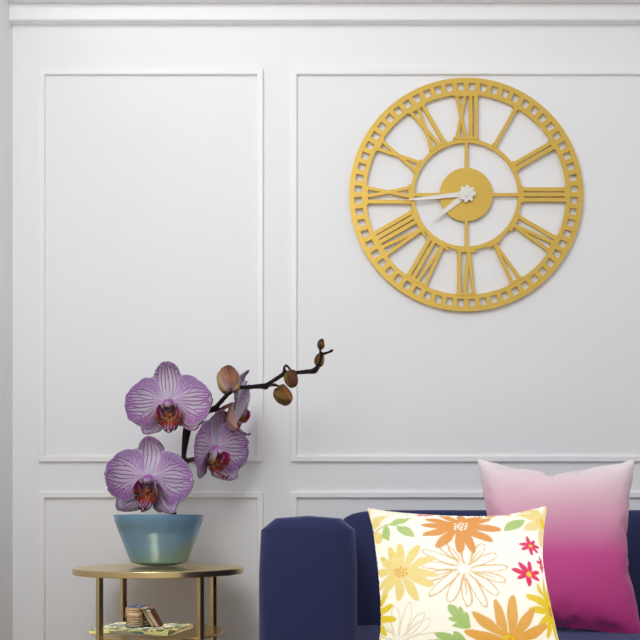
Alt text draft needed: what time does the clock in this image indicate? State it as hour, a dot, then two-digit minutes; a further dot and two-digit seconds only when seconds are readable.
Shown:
7.44
